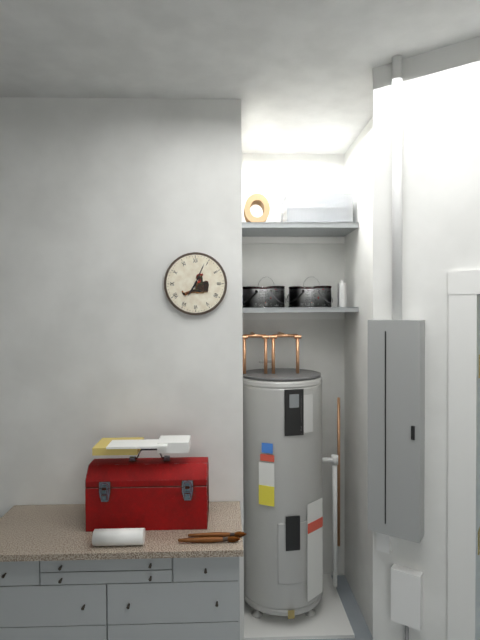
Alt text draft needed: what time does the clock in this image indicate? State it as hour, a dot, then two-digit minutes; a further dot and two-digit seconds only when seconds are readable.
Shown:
7.04
